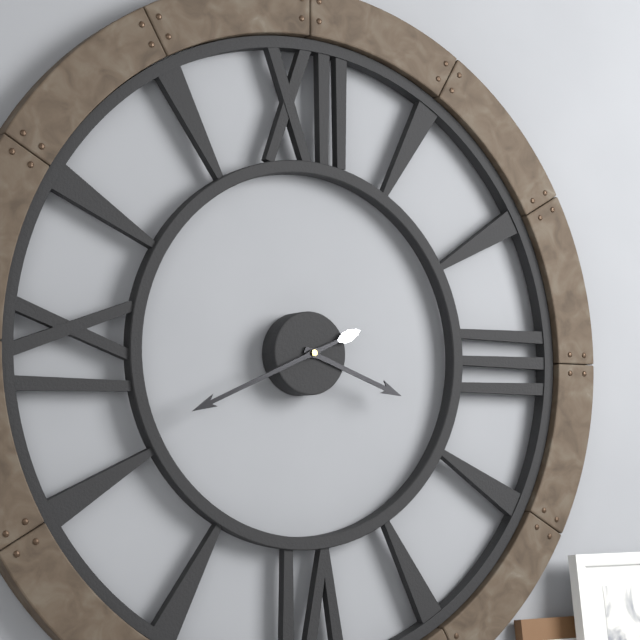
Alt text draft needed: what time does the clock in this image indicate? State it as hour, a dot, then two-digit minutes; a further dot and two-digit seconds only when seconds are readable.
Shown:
3.41
